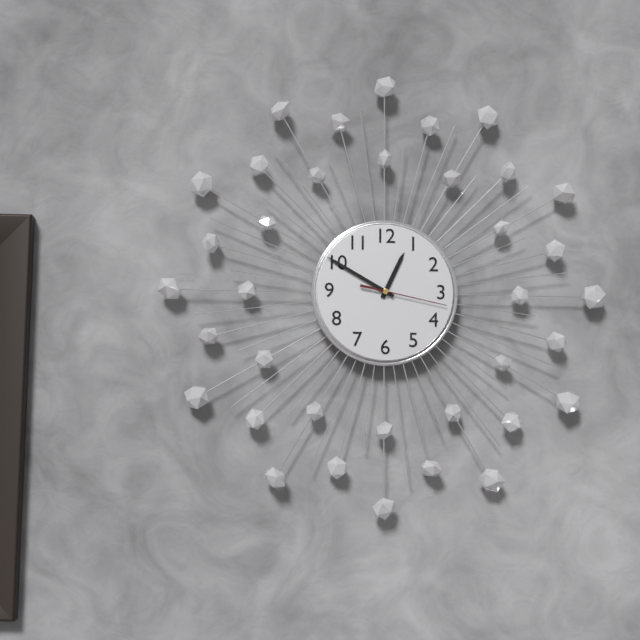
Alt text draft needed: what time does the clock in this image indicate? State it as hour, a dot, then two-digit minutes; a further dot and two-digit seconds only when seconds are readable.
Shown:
12.50.17
